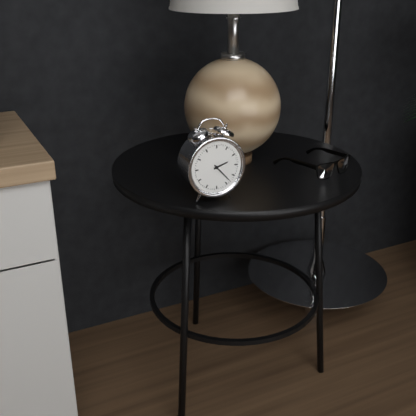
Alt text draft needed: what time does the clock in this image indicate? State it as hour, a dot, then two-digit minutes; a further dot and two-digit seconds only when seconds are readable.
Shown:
2.23
